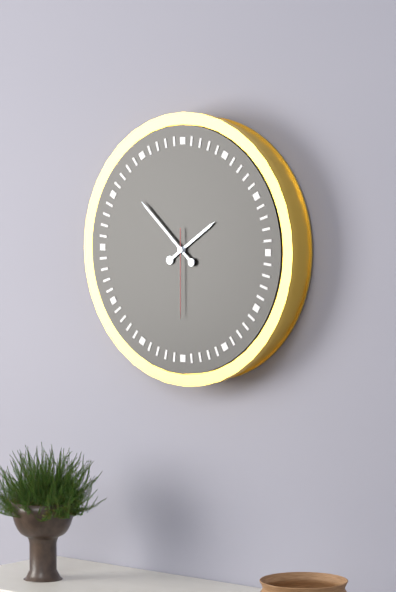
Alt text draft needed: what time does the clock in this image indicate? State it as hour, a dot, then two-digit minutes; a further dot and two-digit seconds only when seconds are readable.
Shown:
1.52.30
